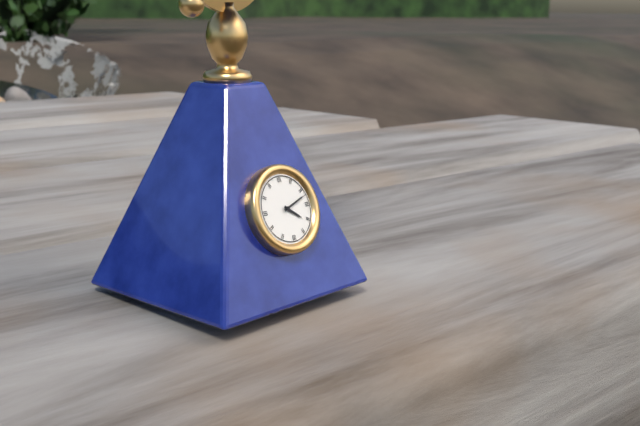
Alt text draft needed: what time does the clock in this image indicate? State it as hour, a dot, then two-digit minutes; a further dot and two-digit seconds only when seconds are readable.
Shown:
4.12
